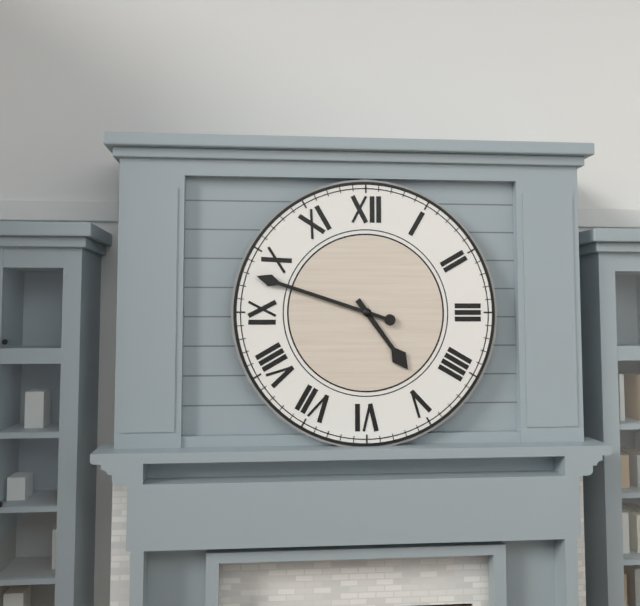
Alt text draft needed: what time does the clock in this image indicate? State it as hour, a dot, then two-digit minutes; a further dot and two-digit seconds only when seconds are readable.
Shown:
4.48
